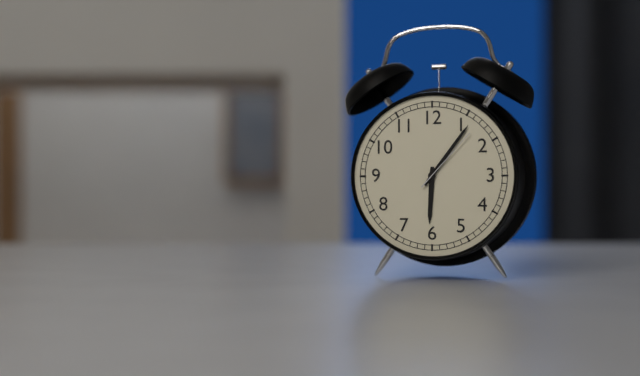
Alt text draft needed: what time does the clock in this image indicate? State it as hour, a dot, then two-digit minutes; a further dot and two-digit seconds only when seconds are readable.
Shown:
6.06.07
